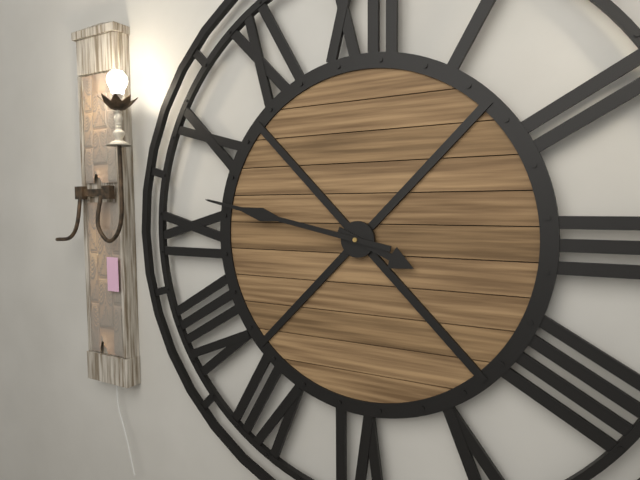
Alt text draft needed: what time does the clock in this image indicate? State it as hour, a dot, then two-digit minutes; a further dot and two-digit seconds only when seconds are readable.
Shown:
3.47
